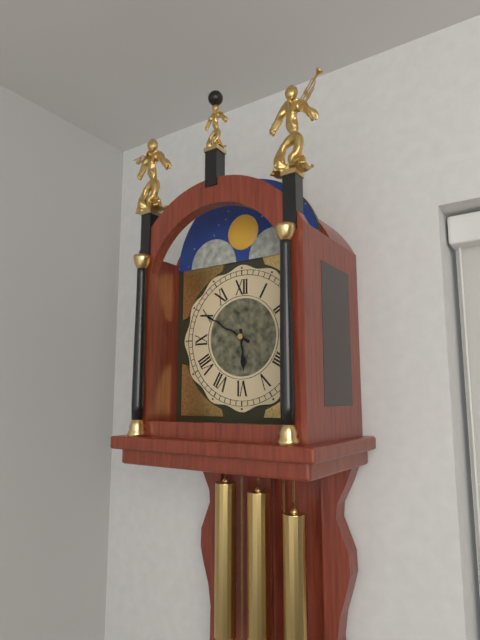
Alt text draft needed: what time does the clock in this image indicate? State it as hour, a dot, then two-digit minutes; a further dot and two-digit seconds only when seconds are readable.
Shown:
5.50
